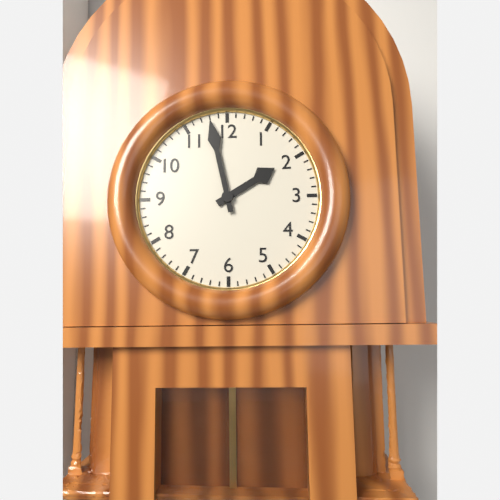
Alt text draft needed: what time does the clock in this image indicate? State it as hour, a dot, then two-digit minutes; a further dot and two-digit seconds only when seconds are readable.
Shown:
1.58
